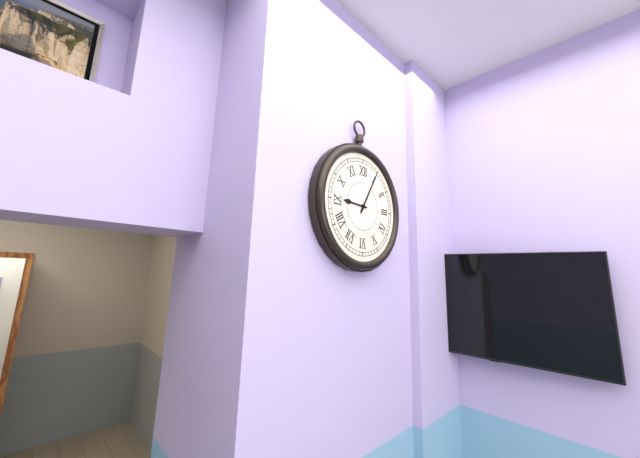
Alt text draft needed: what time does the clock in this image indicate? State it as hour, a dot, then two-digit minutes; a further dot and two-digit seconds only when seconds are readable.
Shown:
9.05
